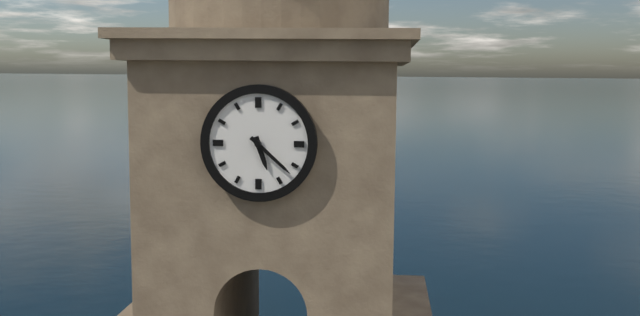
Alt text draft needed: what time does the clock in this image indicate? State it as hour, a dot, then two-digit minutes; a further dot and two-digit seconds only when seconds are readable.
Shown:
5.22
